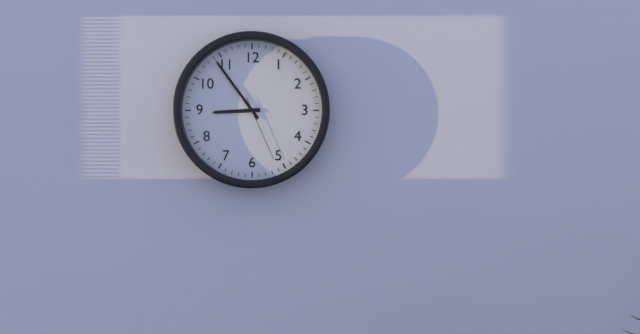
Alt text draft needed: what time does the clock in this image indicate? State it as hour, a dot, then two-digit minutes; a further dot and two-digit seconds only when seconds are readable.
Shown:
8.54.26
